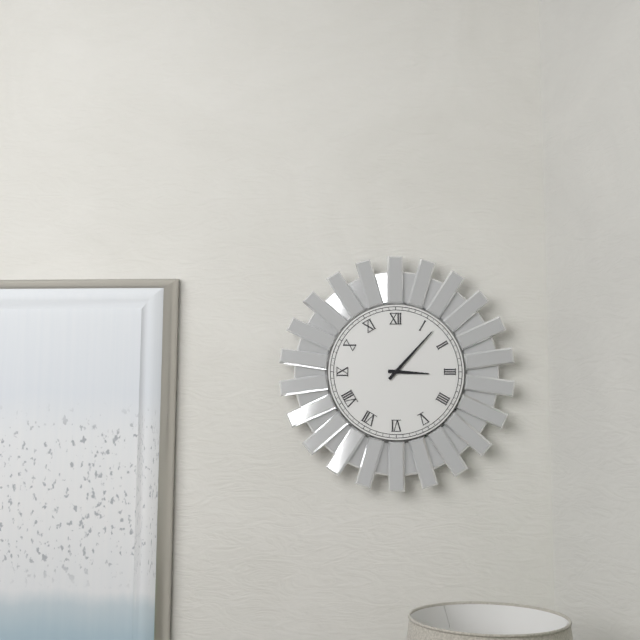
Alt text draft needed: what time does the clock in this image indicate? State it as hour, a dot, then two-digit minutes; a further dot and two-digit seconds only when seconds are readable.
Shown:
3.07
